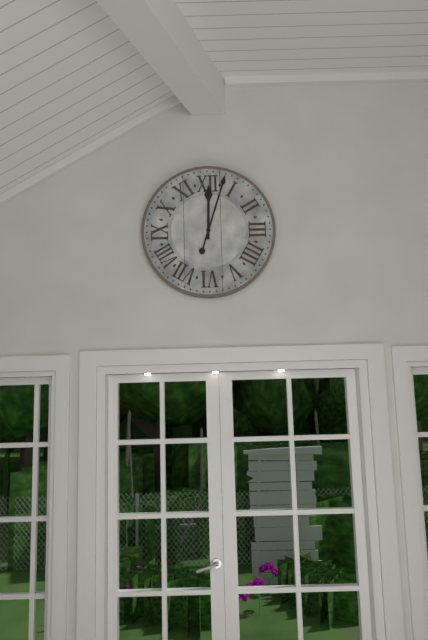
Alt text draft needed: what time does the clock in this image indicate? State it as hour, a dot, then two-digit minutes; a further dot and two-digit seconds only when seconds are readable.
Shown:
12.03
